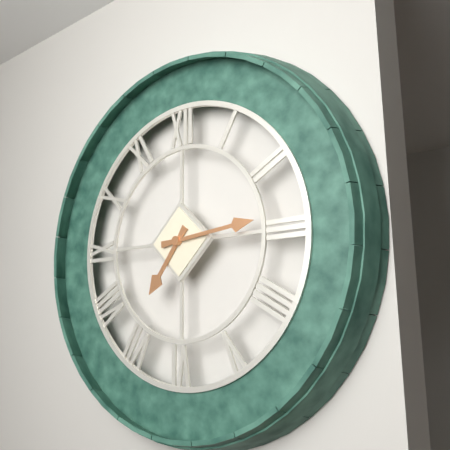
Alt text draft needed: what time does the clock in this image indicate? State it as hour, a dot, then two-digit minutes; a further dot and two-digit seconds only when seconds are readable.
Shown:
7.14
